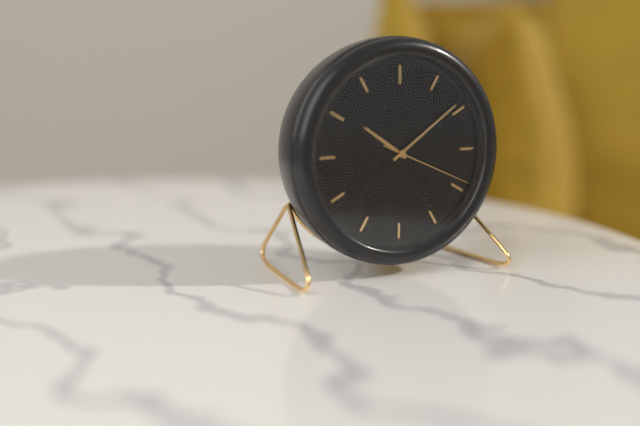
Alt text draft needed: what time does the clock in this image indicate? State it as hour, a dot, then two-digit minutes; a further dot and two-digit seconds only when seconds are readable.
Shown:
10.09.19
